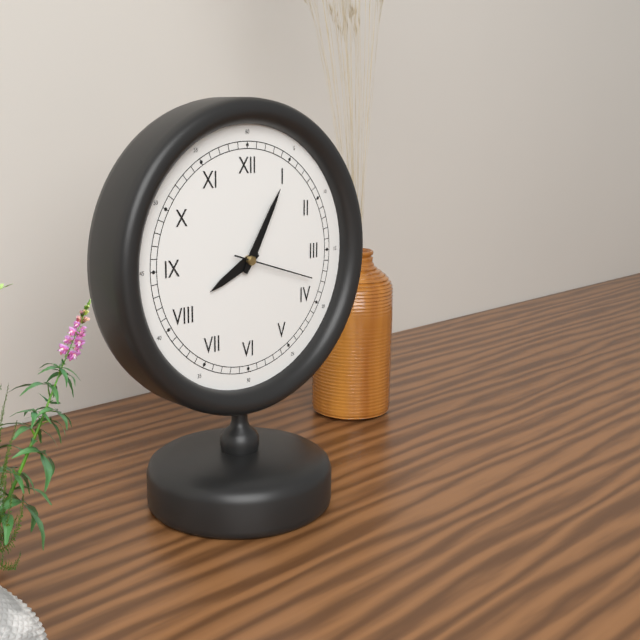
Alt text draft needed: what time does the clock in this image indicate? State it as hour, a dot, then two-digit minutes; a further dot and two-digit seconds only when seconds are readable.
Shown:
8.05.18
